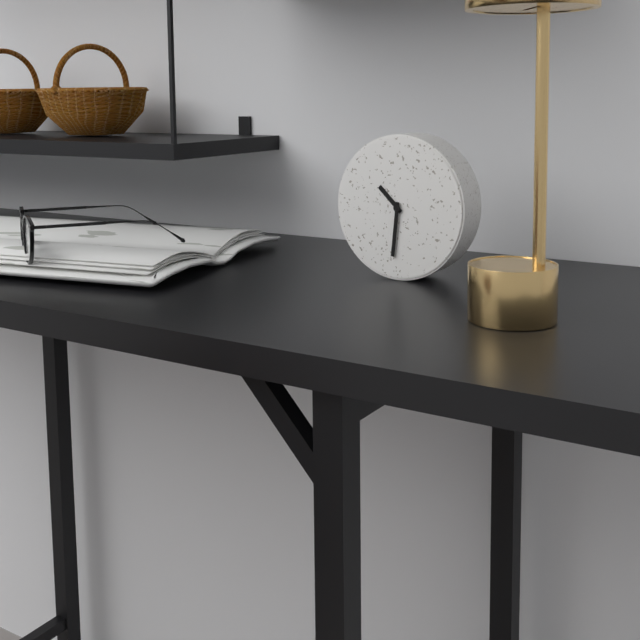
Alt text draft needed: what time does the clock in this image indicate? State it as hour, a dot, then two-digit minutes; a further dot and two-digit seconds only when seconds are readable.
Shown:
10.31
